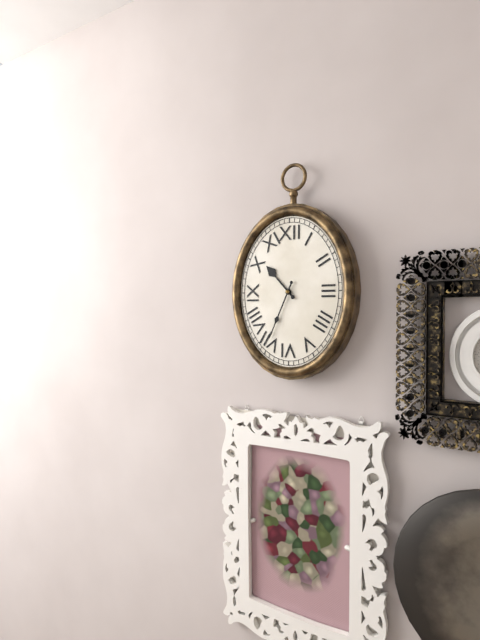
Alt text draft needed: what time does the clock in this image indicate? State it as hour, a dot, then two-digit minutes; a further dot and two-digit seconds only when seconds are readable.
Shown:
10.34
